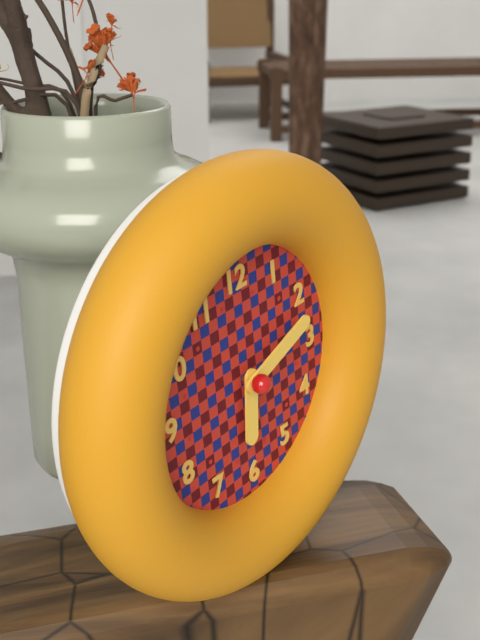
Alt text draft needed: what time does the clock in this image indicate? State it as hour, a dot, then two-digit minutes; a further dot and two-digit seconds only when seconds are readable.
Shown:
6.12
